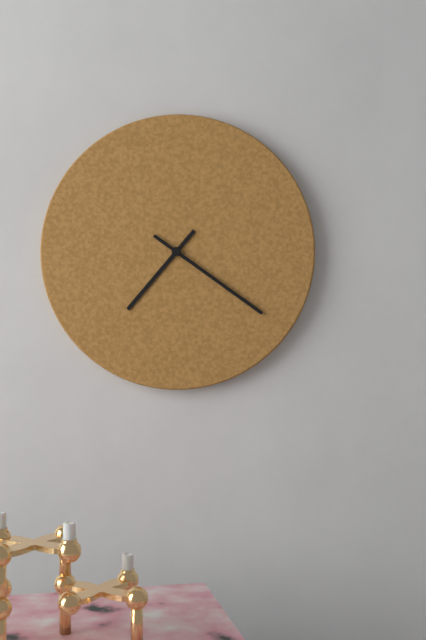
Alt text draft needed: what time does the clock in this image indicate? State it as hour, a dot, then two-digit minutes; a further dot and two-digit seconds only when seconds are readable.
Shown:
7.21
